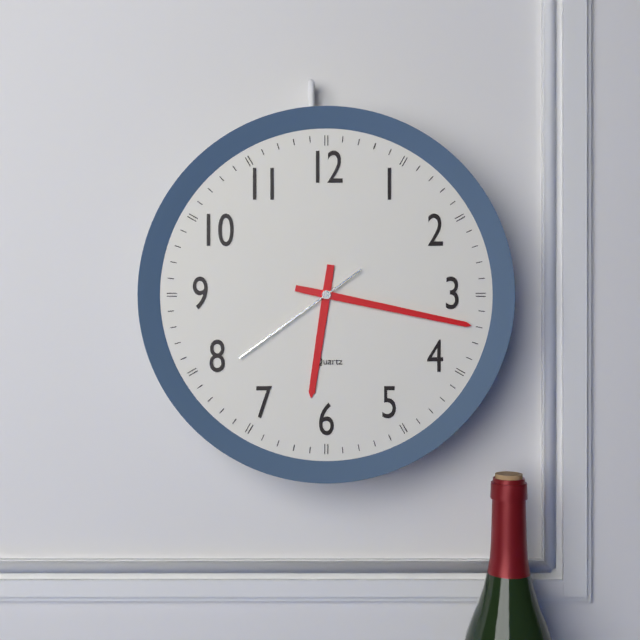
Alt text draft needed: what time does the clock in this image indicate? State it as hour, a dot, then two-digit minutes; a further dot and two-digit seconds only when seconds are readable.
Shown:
6.17.39
